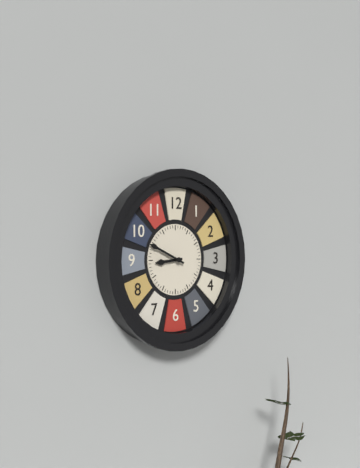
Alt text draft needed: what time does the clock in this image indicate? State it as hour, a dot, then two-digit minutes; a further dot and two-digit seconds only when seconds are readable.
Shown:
8.49
